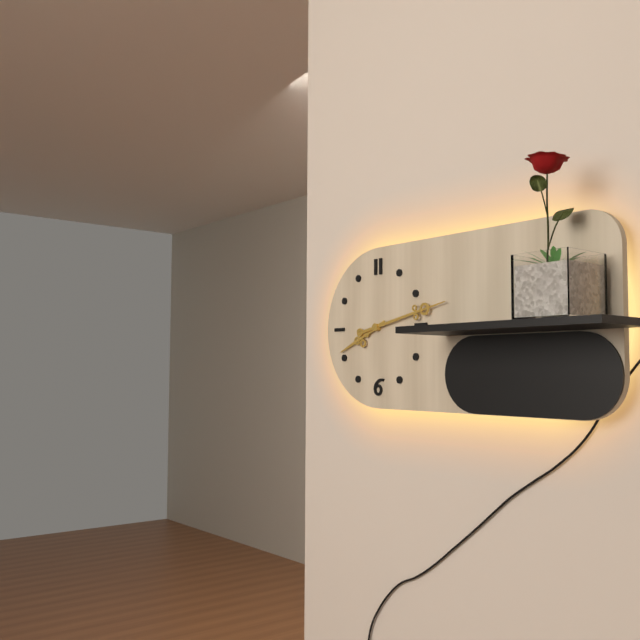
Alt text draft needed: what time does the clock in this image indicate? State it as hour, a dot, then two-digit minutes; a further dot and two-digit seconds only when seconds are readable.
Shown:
8.13
